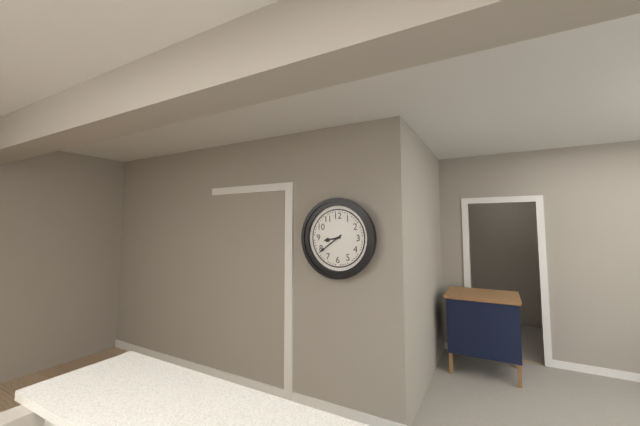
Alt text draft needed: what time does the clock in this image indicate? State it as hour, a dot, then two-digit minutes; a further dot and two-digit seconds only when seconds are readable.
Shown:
8.39
